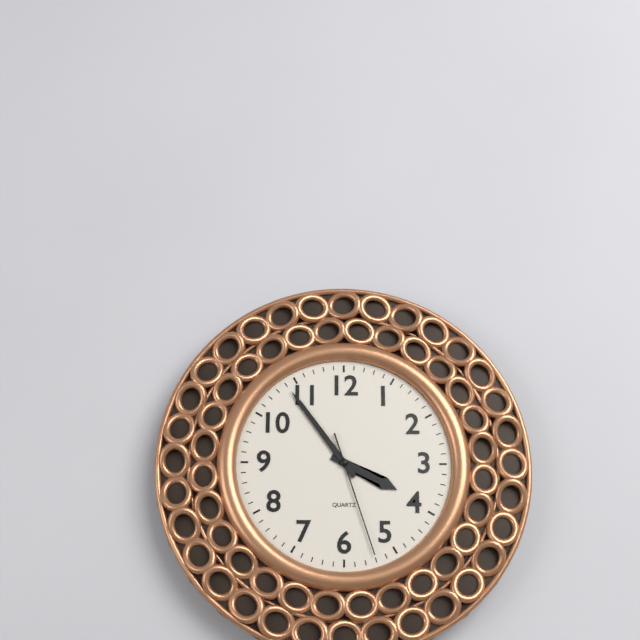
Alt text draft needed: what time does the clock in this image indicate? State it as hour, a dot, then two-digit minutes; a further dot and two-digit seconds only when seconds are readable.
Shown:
3.54.27
